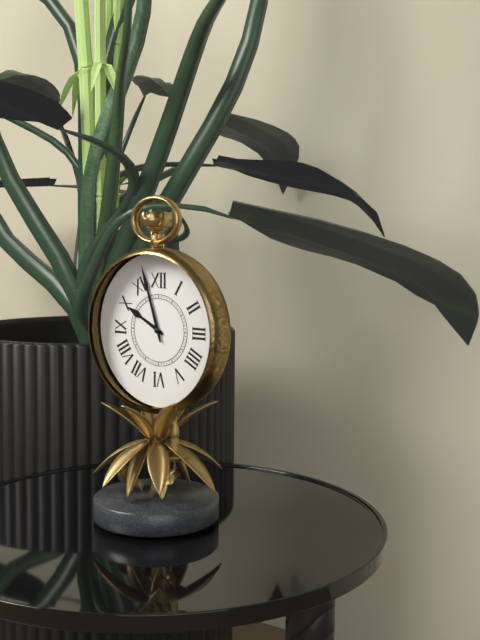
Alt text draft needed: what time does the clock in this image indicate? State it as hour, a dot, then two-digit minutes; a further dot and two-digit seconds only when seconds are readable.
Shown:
9.57
